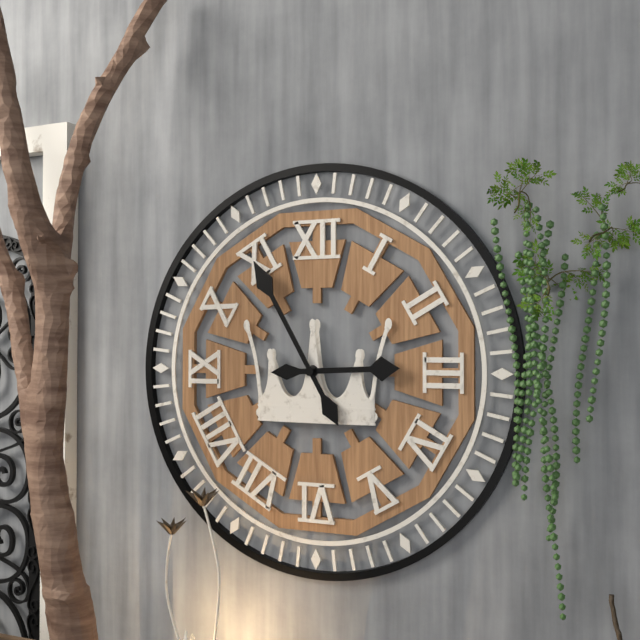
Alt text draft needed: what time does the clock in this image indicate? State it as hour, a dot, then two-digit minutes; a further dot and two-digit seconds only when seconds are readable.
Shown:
2.55
